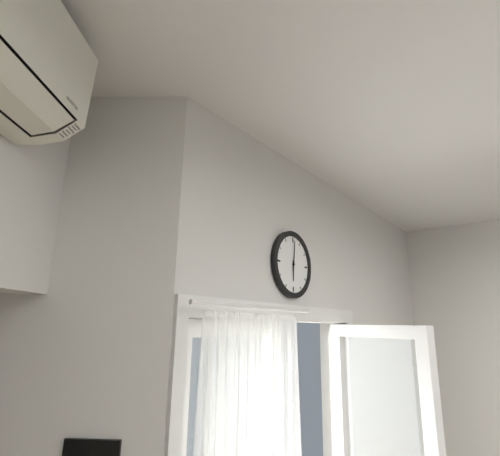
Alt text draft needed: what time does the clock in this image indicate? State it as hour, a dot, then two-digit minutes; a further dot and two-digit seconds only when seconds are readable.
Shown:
6.01
